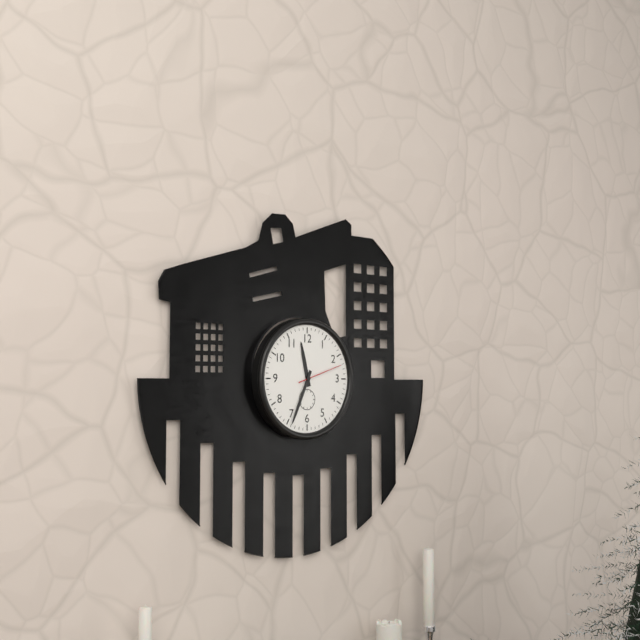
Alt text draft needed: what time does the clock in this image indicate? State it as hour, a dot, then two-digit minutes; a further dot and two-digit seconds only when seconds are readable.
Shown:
11.34
